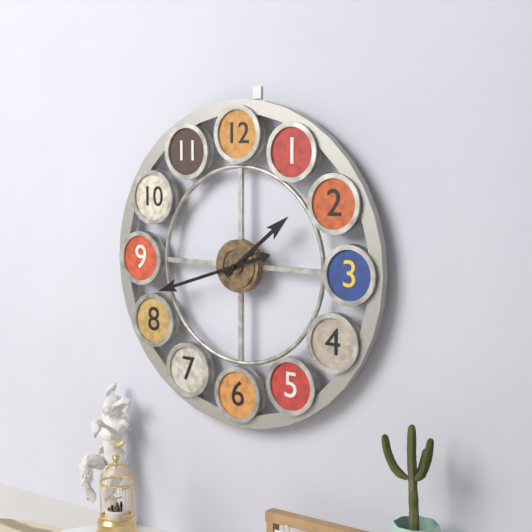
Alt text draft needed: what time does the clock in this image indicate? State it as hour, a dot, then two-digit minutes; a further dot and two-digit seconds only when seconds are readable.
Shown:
1.42
